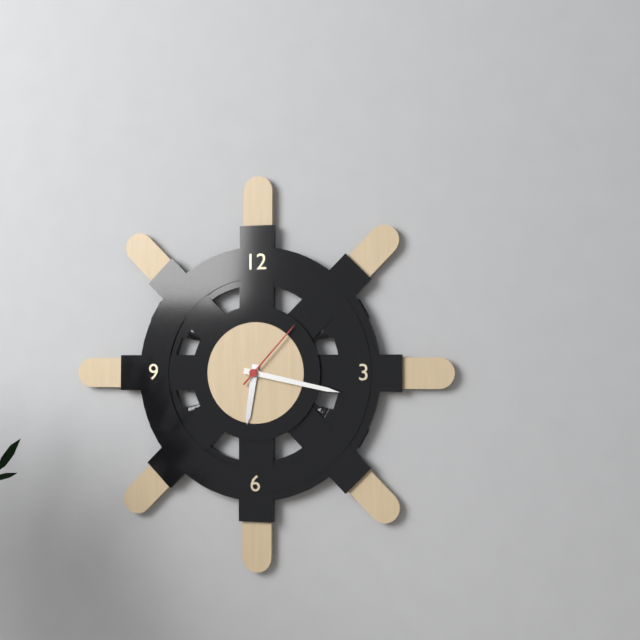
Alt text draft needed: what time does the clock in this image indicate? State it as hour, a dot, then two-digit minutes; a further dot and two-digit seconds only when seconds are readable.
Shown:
6.17.07
